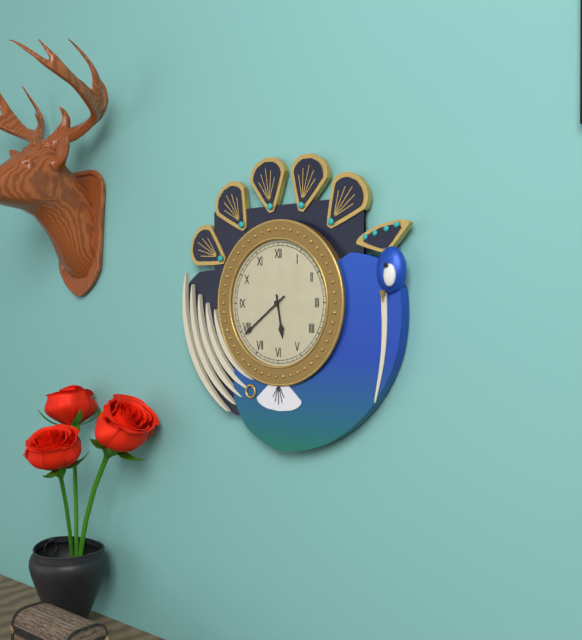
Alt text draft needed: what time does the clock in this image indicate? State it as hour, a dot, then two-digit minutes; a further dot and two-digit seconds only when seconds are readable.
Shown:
5.39
